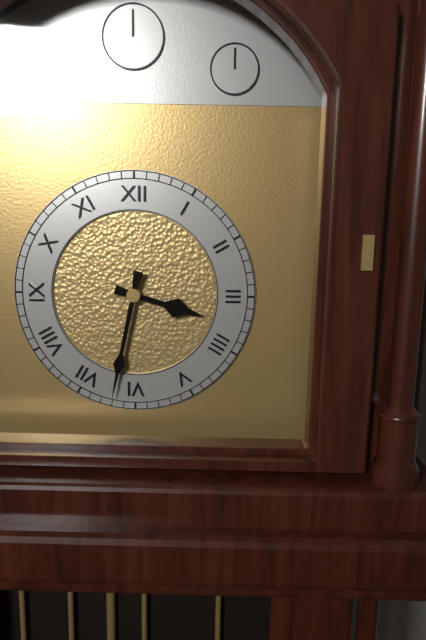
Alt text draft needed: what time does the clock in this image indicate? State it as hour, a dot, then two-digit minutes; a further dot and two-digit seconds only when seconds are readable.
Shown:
3.32
